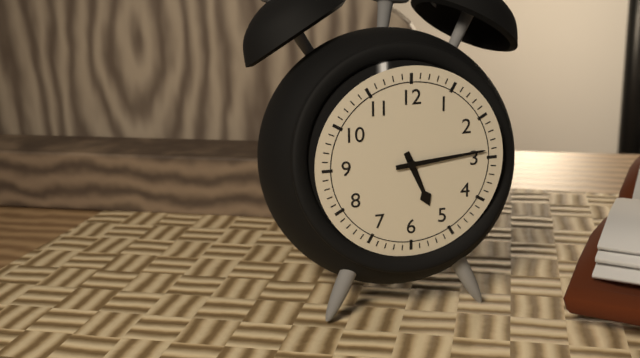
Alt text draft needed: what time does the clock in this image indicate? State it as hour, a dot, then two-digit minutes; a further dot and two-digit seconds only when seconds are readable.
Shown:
5.14
